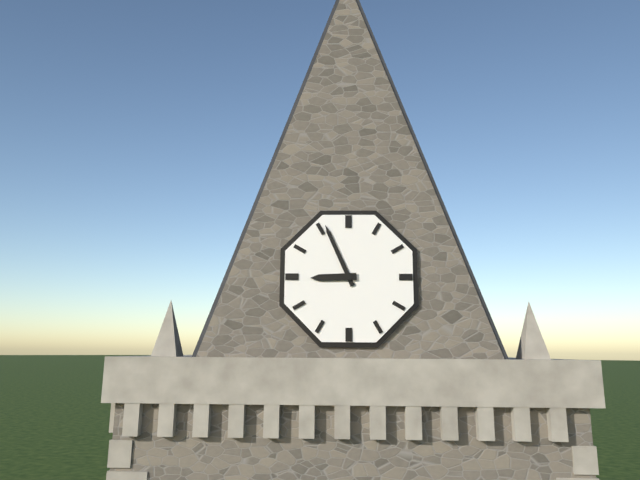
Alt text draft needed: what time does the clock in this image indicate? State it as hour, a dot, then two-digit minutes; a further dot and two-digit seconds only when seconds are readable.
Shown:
8.56
